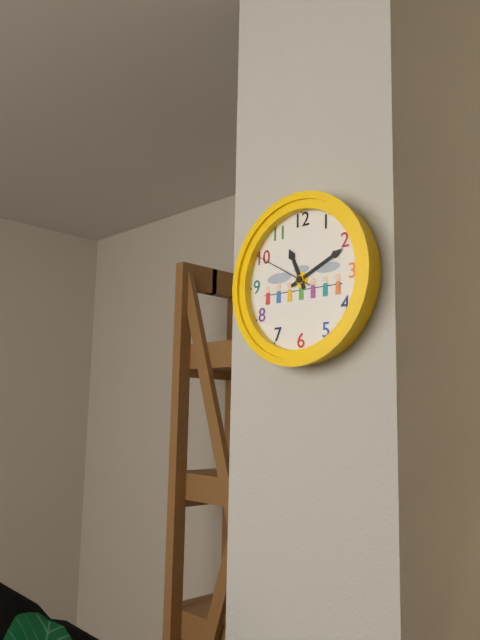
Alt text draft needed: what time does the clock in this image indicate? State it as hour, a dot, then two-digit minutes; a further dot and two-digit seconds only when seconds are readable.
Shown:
11.11.50
